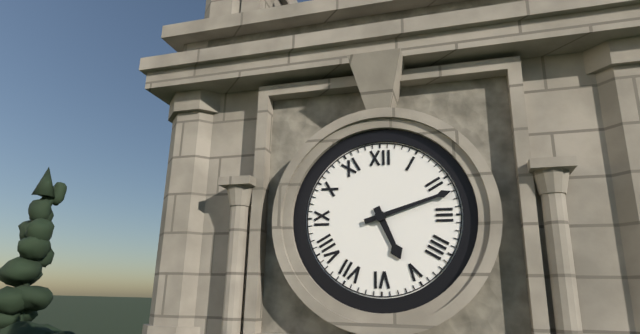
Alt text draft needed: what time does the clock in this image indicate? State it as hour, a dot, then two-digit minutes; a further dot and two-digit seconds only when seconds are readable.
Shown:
5.12
